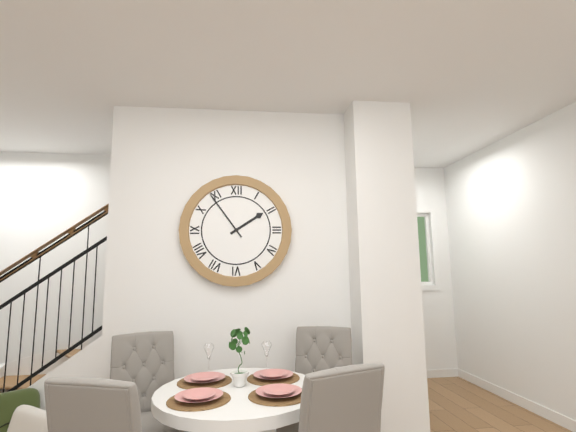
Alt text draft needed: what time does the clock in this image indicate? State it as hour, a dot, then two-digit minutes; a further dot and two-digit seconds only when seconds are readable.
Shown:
1.54
